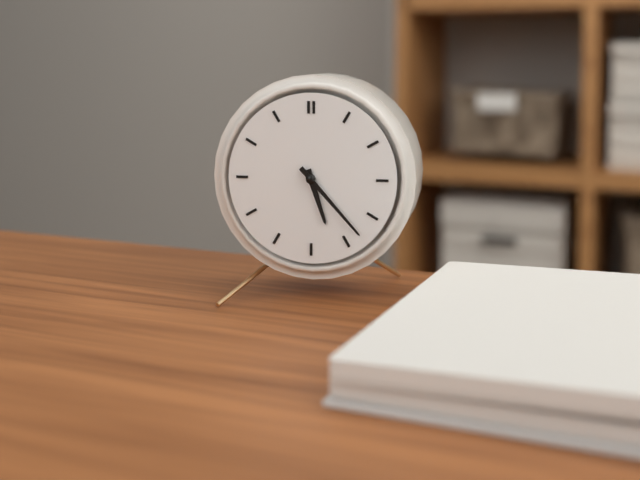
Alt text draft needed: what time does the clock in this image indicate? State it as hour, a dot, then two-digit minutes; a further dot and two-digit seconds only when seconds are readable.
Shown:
5.23
